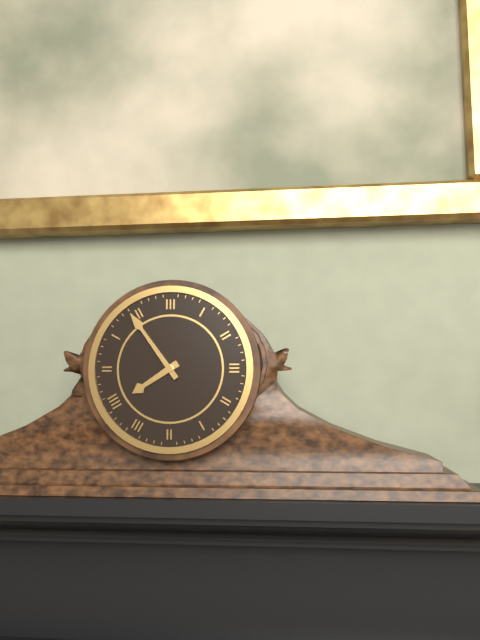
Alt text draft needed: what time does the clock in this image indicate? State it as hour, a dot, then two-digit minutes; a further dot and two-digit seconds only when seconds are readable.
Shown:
7.54
